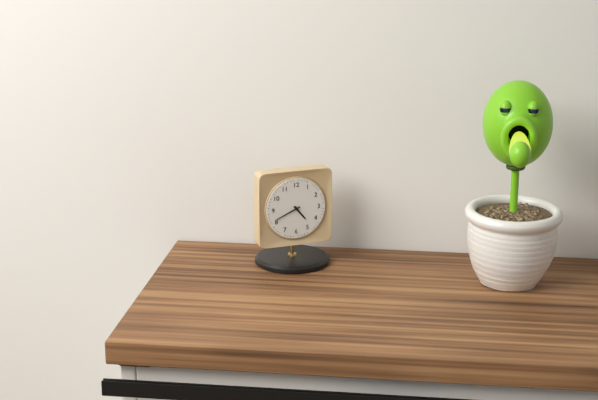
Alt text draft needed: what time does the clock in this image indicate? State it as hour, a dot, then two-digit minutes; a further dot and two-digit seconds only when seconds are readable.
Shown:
4.41
